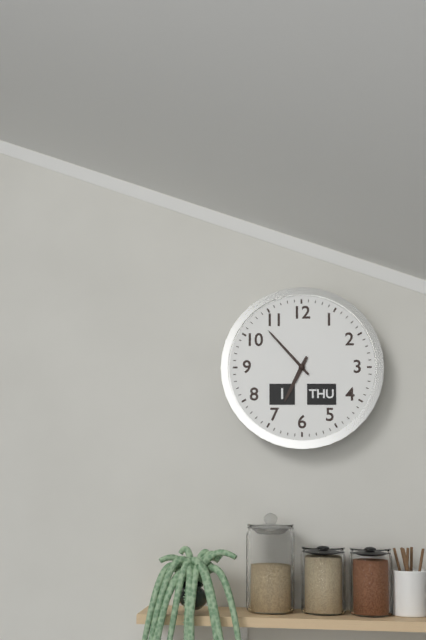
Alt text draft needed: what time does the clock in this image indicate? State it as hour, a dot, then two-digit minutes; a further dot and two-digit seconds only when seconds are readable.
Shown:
6.53
